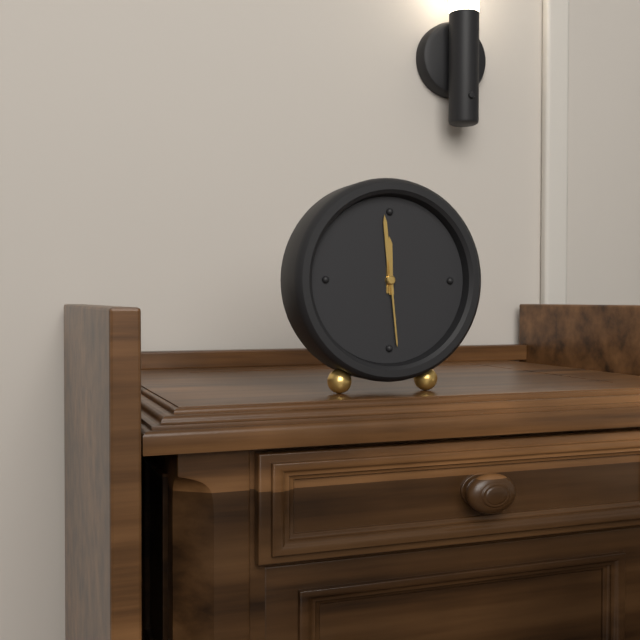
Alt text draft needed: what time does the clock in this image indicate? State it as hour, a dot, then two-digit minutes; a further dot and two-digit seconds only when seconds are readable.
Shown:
11.59.29
